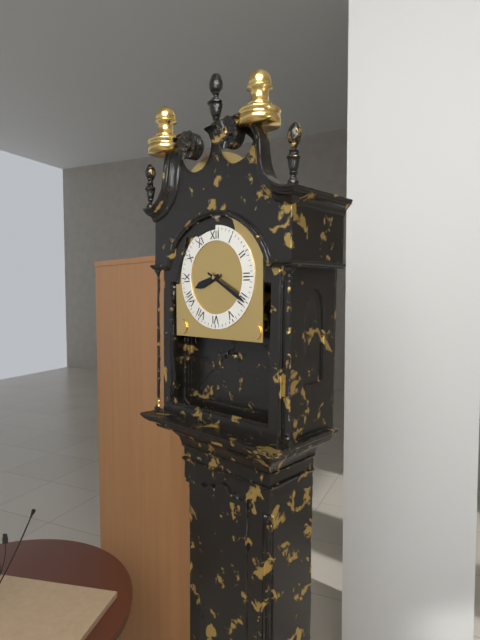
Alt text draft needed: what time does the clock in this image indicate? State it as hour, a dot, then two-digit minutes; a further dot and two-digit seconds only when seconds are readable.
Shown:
8.20
